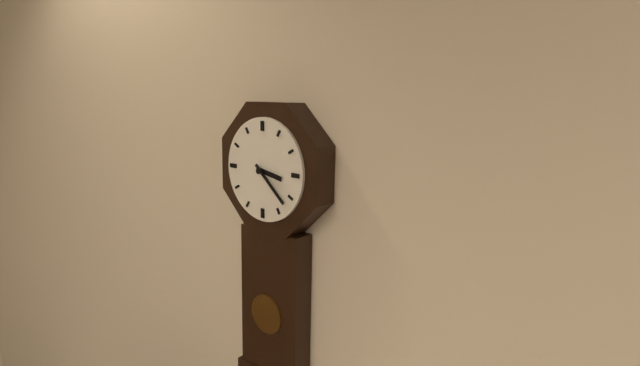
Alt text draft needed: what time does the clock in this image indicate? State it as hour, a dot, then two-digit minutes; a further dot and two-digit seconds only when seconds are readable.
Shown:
3.22
